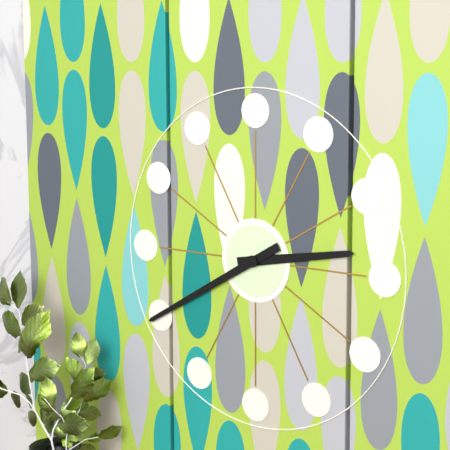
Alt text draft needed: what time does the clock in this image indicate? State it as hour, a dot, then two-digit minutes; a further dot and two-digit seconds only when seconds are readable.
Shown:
2.40
